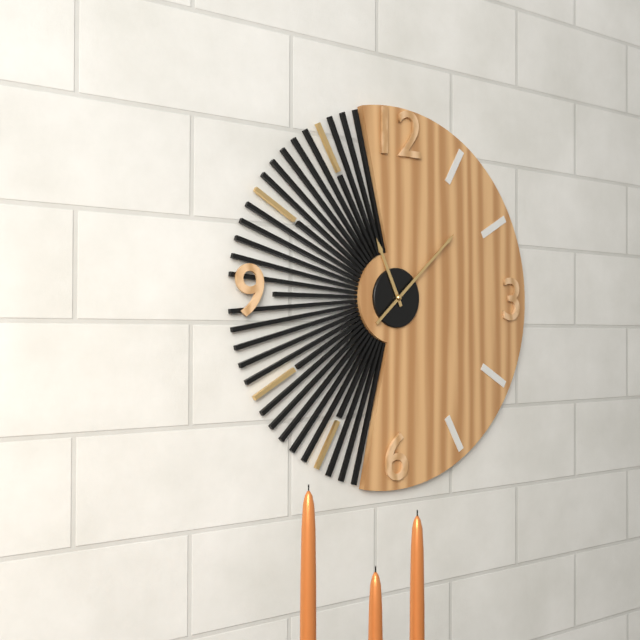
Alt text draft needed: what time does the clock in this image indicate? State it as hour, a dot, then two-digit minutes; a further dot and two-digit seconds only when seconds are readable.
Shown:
11.08
